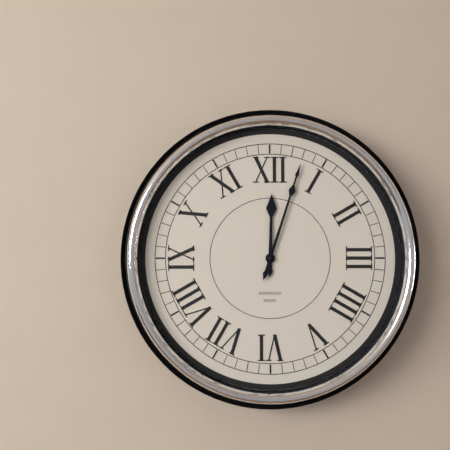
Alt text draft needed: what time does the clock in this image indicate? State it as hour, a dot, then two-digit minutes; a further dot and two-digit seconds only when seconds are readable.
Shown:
12.03
